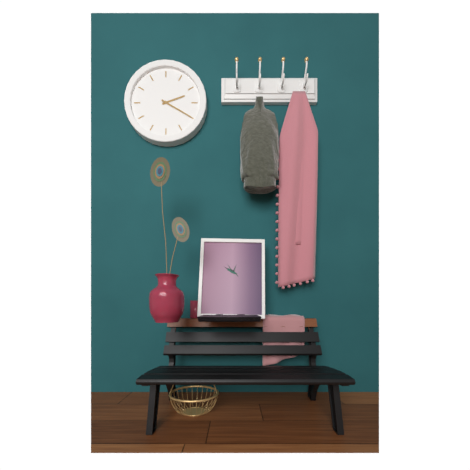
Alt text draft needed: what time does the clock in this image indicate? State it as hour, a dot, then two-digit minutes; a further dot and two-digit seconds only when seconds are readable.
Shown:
2.20
